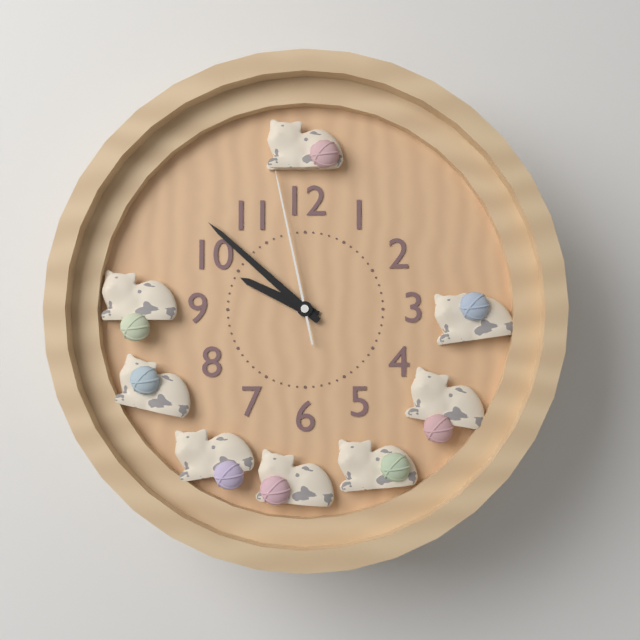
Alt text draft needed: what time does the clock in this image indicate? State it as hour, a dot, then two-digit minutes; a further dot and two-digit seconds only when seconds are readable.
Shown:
9.52.58
